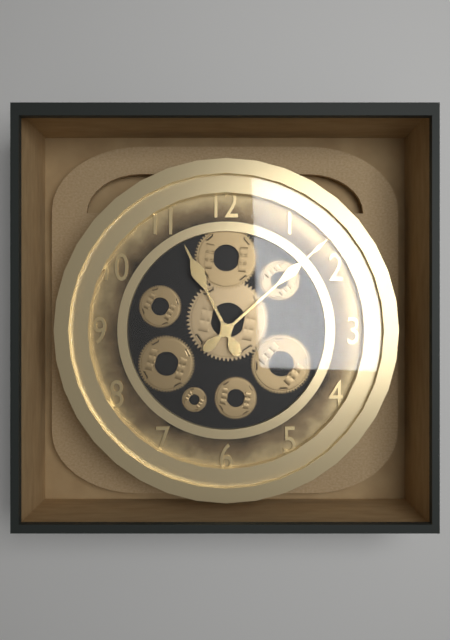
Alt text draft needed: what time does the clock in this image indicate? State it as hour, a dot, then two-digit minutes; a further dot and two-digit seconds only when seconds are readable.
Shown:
11.08
